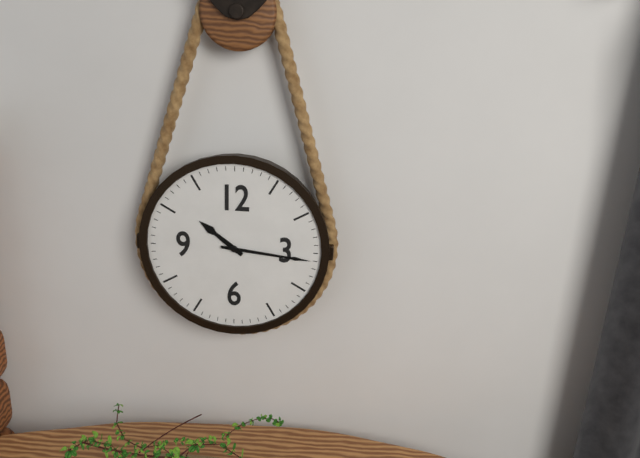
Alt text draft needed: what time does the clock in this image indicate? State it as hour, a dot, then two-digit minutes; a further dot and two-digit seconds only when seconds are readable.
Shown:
10.16
